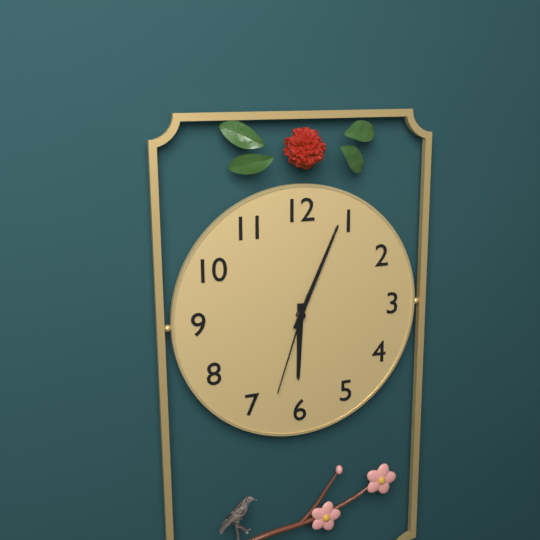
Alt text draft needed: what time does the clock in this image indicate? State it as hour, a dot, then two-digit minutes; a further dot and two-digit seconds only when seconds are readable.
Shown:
6.04.33
